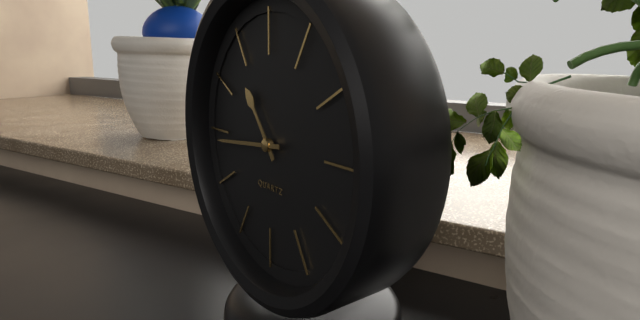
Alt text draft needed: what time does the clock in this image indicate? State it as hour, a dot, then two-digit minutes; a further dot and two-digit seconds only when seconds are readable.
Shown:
10.44
